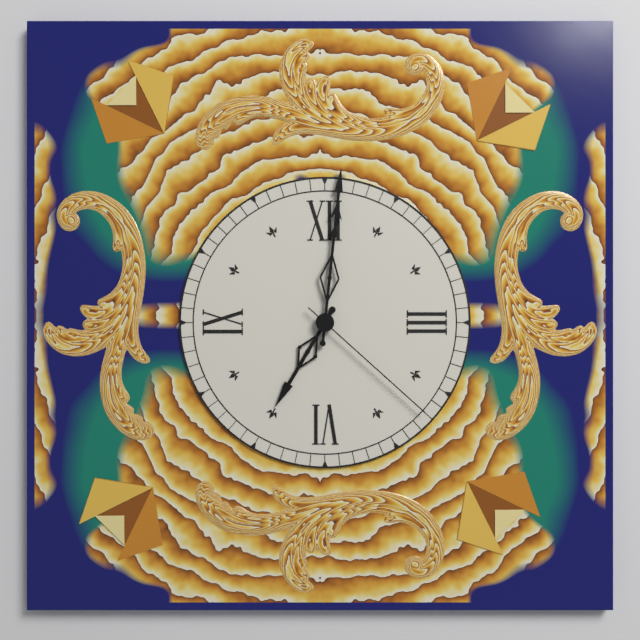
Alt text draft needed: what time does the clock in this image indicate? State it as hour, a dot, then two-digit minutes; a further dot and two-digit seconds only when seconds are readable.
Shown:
7.01.22
